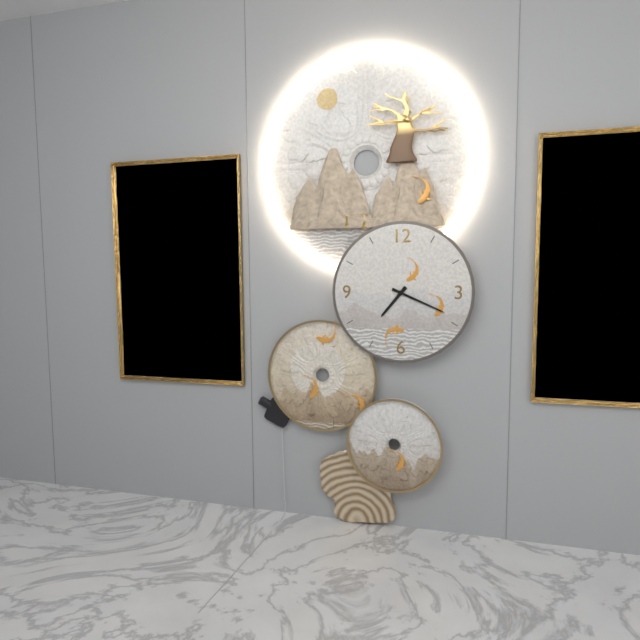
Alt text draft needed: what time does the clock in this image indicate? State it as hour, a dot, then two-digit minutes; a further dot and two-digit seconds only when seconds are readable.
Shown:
7.19
